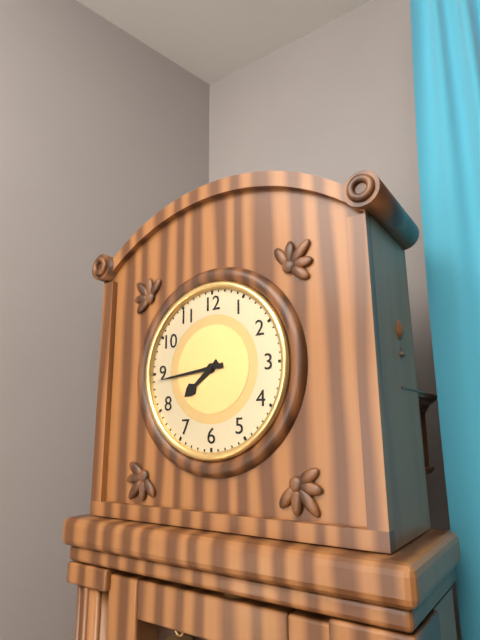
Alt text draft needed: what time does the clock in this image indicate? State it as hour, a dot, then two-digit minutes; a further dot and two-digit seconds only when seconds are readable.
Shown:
7.44
